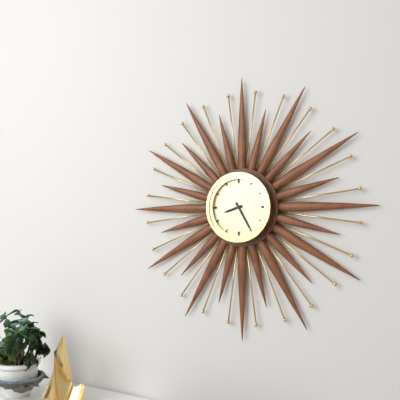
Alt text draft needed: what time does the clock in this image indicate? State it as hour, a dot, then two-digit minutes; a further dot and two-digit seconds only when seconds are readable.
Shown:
8.25
